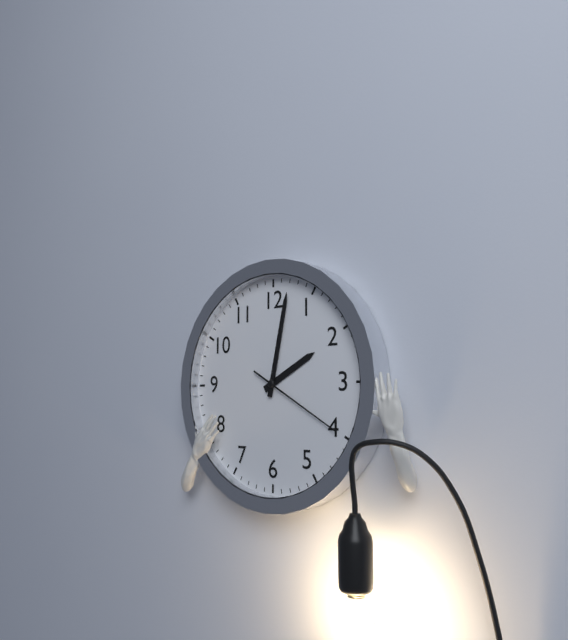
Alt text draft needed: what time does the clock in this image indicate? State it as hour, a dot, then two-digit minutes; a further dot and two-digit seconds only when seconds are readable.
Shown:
2.02.20
